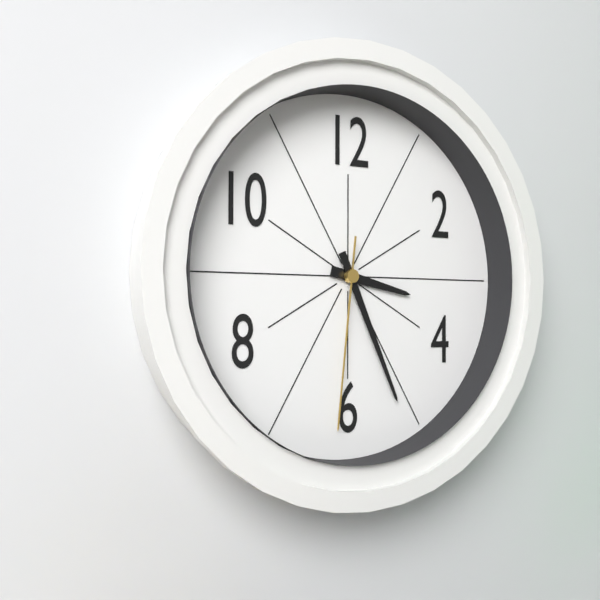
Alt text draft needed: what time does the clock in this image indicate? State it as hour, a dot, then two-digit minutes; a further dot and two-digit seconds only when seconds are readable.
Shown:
3.26.31
